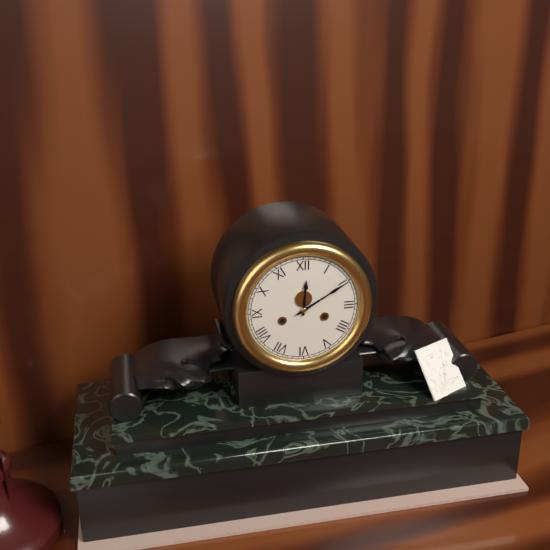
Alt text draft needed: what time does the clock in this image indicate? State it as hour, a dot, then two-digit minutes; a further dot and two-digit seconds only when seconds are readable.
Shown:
12.10
